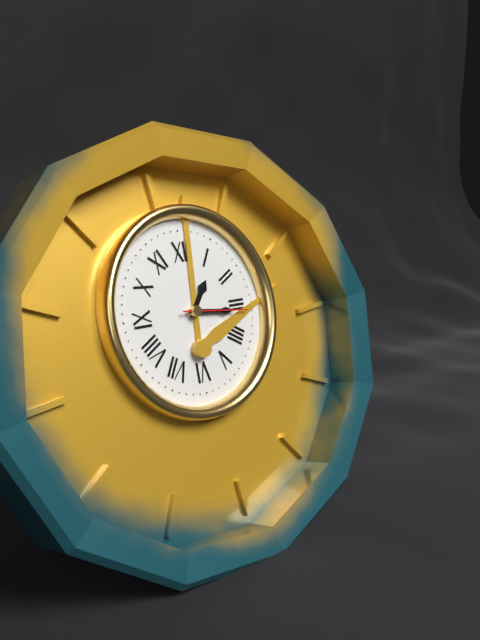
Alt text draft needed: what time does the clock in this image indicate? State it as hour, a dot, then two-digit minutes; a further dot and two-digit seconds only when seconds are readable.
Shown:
1.16.16
